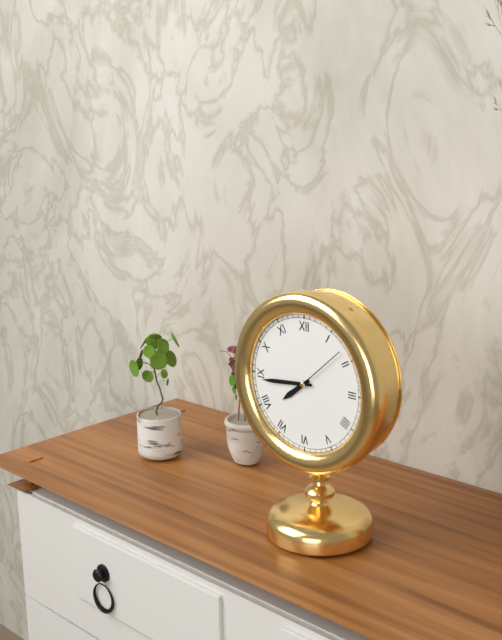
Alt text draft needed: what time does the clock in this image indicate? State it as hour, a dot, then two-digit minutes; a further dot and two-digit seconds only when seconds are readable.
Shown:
7.44.08
